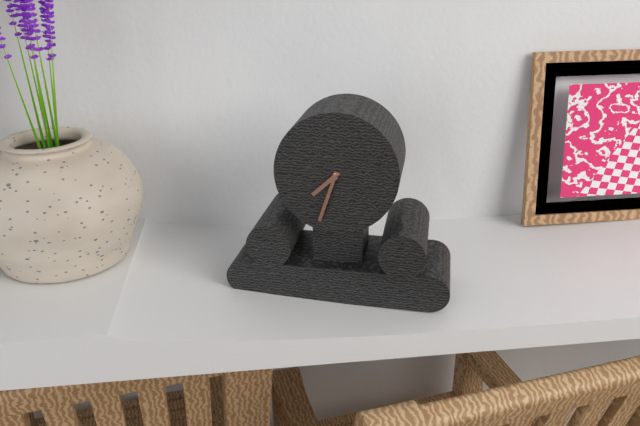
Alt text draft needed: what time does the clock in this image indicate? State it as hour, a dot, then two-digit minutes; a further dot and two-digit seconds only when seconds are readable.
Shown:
7.33
